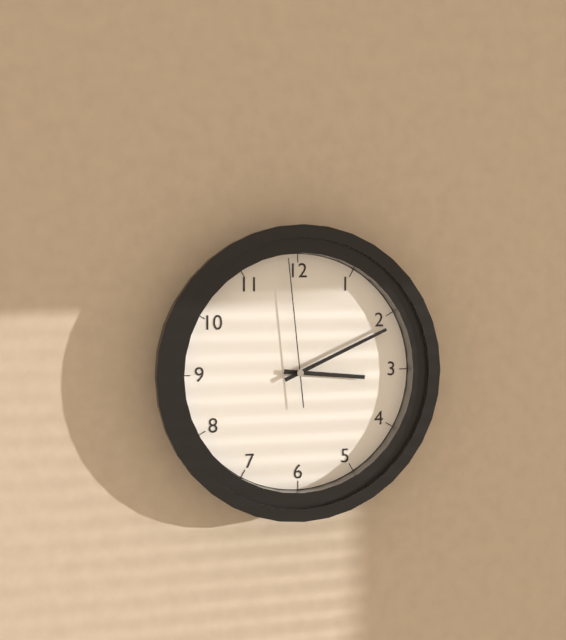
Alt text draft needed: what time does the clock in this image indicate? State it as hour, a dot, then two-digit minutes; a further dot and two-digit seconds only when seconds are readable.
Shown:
3.11.59
